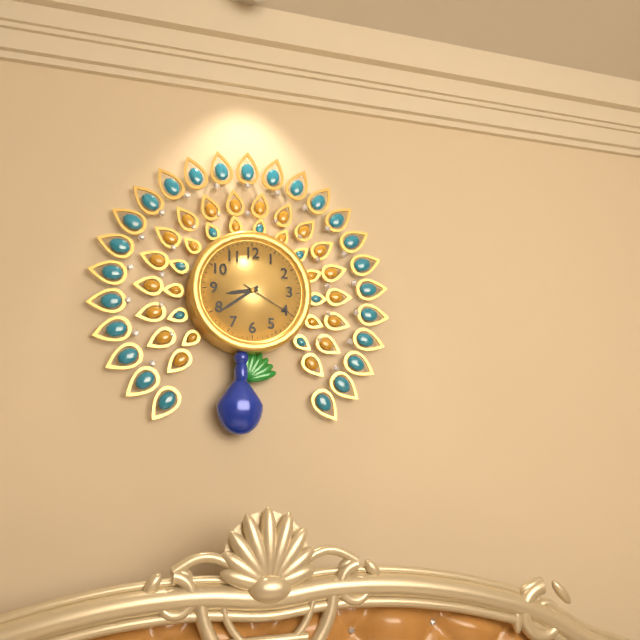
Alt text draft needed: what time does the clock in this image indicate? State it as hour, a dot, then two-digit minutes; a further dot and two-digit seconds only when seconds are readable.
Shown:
8.39.20
